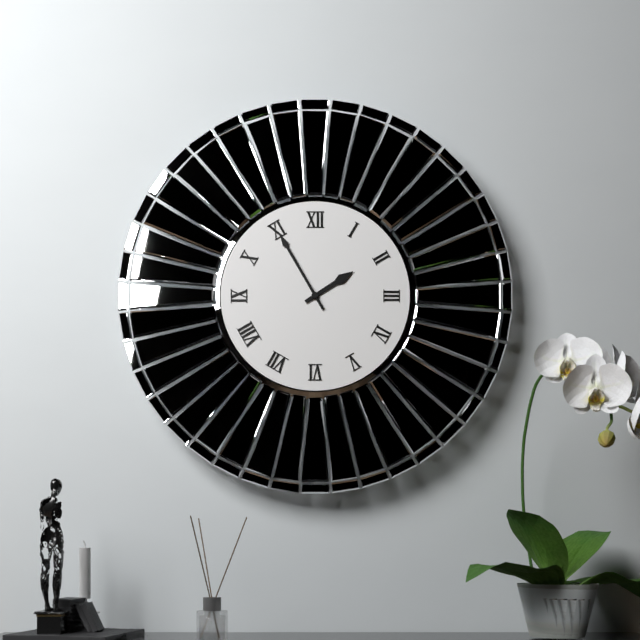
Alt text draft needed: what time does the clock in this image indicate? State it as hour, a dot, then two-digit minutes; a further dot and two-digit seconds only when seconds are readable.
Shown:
1.55
